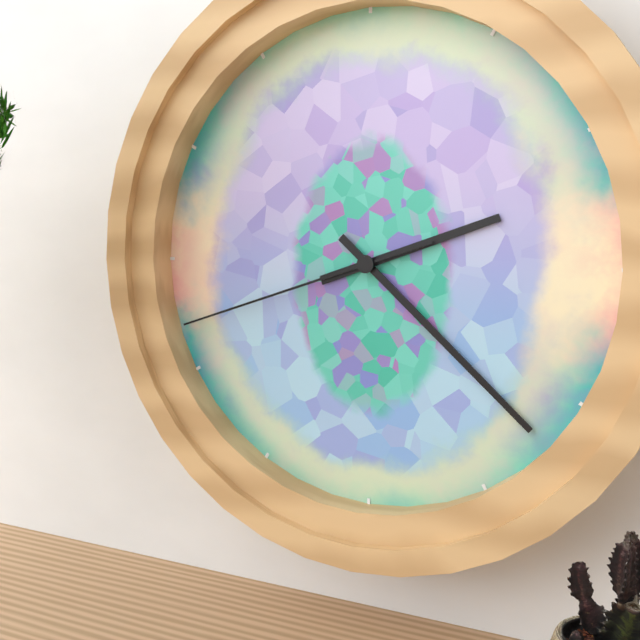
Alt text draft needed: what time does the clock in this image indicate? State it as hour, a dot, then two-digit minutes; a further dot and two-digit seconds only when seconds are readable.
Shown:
2.22.42
